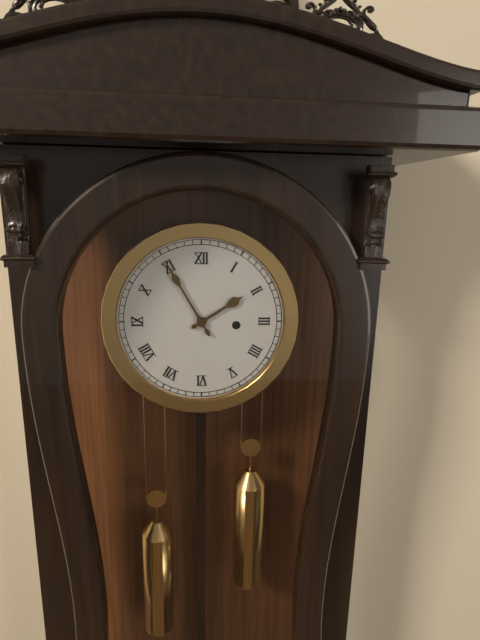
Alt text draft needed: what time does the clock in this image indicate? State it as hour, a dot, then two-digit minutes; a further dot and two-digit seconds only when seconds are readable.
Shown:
1.55
